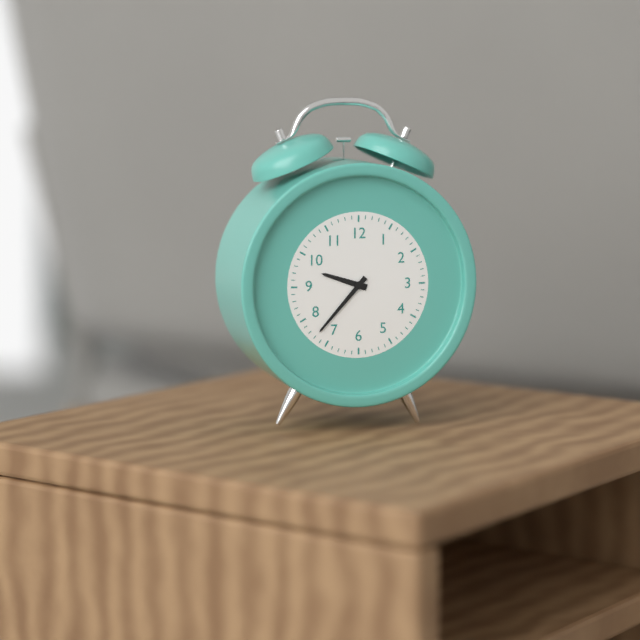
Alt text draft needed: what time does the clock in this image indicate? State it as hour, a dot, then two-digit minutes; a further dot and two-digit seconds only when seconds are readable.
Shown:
9.37
